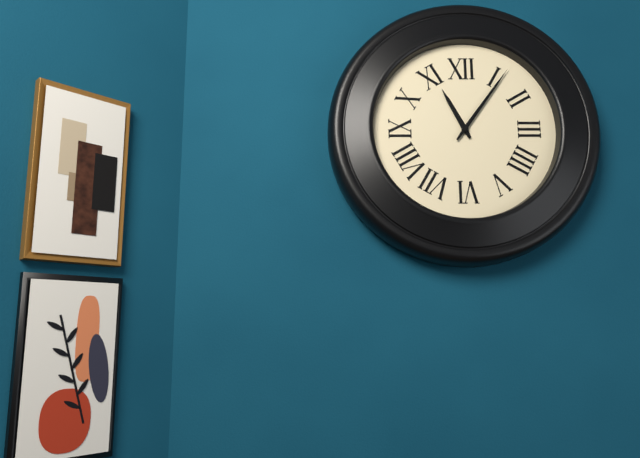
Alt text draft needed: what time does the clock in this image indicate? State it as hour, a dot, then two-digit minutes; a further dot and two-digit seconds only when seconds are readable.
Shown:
11.06
